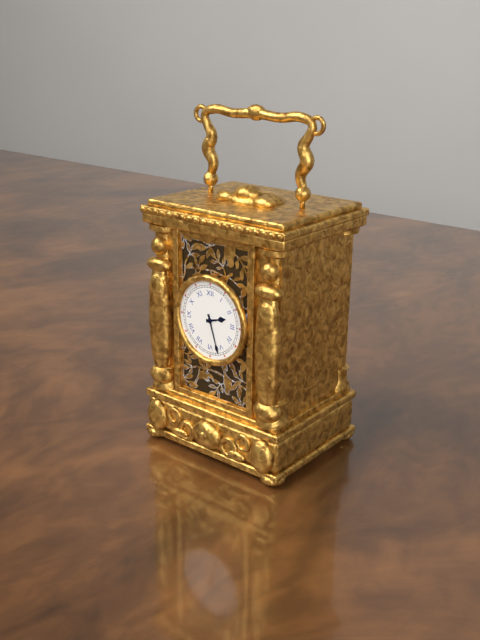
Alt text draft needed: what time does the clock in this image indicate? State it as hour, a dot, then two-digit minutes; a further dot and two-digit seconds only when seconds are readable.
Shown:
2.27
